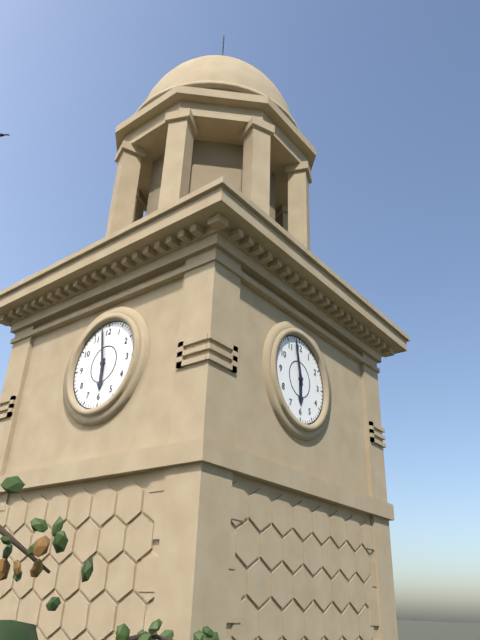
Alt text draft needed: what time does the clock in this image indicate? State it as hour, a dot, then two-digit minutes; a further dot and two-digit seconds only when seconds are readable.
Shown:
5.58
